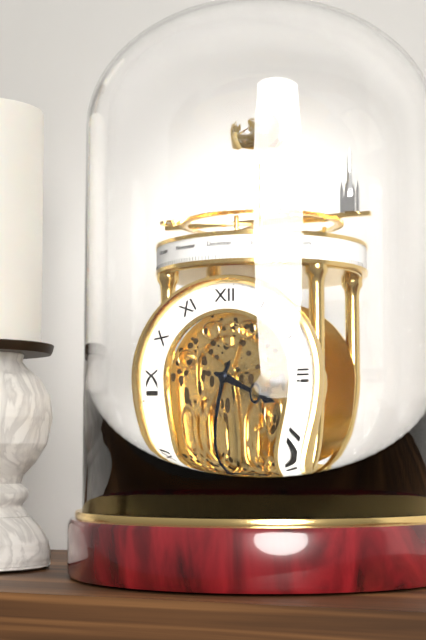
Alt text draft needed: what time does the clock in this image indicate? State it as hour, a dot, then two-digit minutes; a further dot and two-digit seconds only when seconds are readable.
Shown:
3.34
